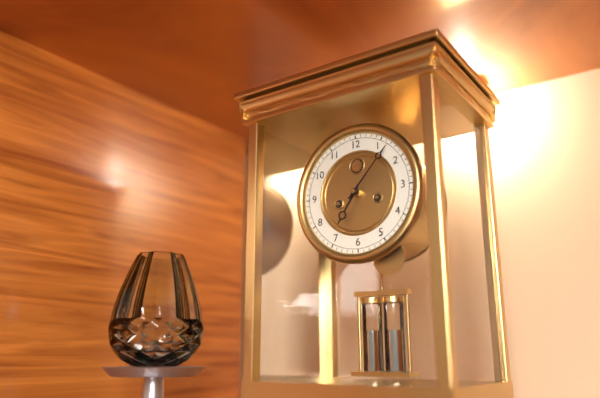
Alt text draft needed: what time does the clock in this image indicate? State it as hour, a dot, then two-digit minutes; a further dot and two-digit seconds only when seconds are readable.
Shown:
7.07
